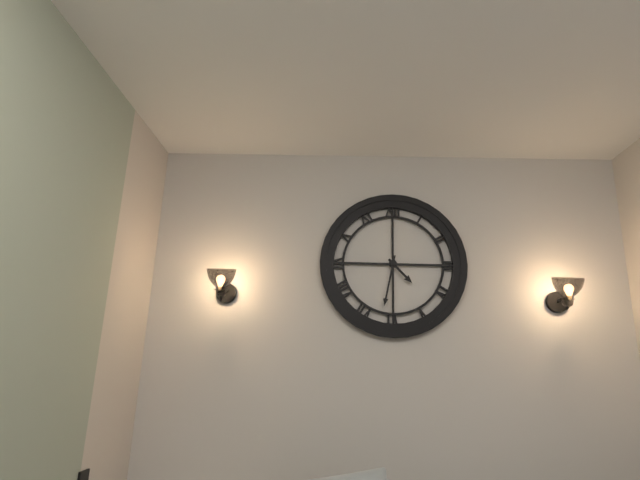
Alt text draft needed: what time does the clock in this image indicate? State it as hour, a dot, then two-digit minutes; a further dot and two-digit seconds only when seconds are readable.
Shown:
4.32
